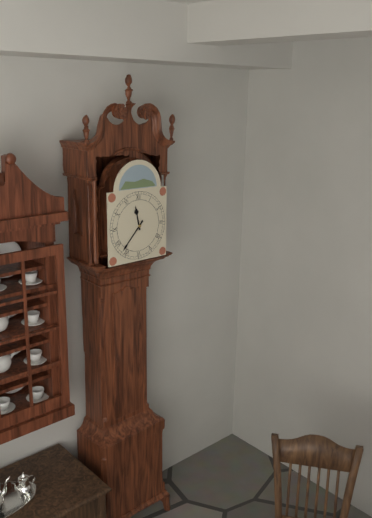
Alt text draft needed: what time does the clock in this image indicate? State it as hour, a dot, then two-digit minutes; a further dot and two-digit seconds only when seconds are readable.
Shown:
11.37
